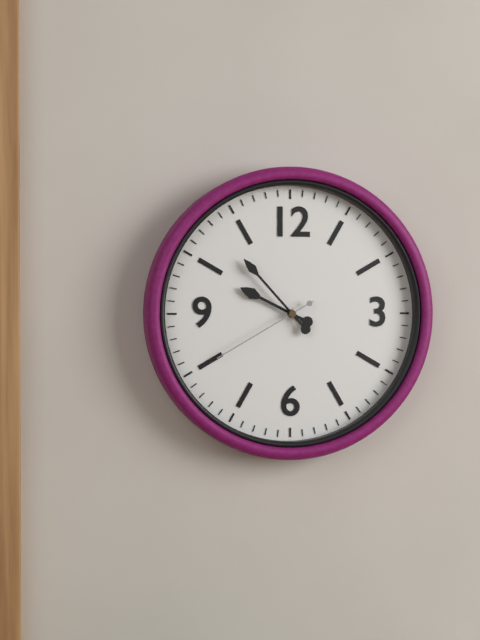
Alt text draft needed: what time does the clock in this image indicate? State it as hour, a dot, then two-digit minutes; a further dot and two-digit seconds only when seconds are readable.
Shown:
9.53.40
